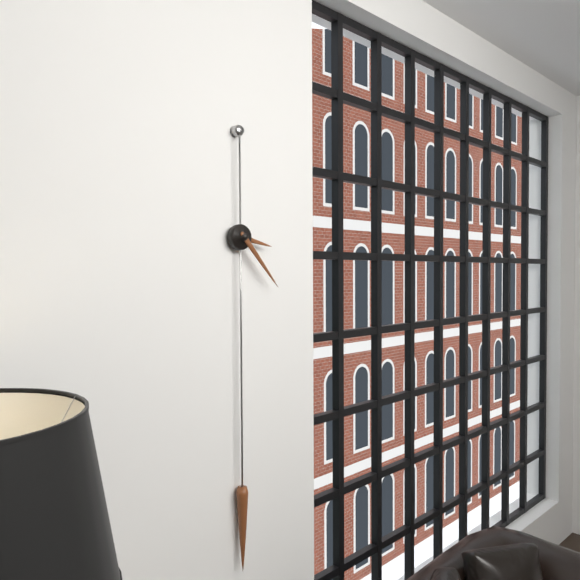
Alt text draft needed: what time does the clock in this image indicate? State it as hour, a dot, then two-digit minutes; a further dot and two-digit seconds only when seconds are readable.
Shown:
3.23
